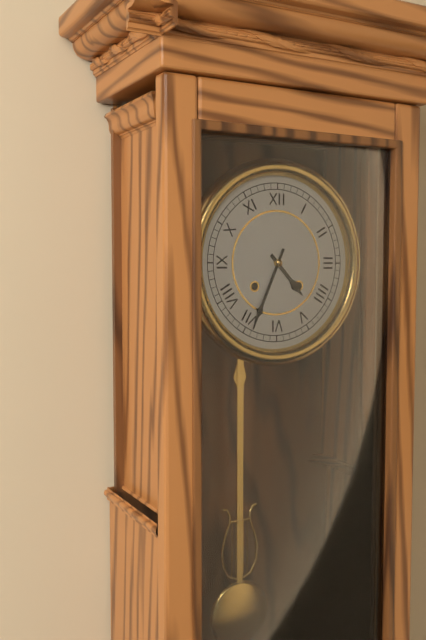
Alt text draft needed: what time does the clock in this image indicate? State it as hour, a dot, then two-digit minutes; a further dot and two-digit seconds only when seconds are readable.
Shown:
4.34
